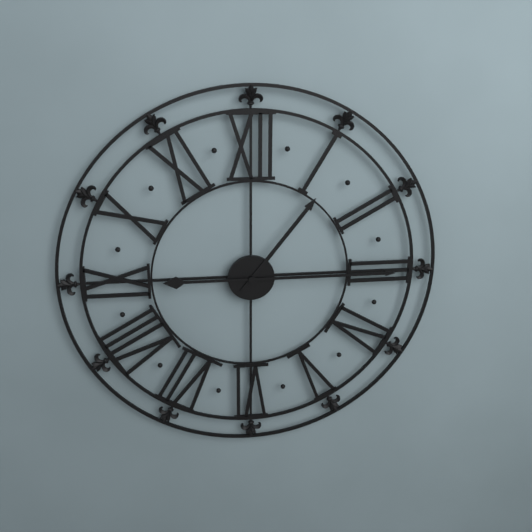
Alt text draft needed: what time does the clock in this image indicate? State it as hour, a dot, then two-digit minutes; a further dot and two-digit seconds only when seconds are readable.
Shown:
1.15
